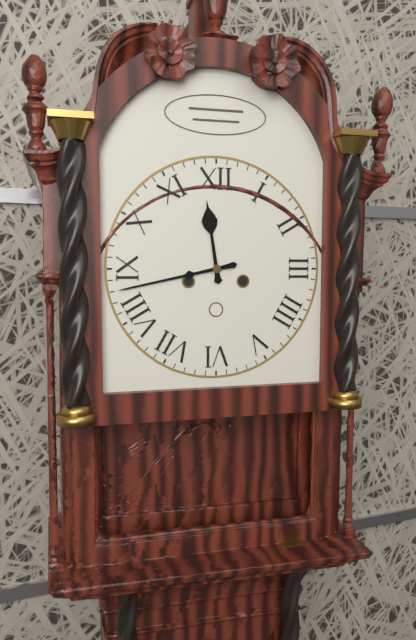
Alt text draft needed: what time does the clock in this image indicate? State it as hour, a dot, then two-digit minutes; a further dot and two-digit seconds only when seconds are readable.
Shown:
11.43
